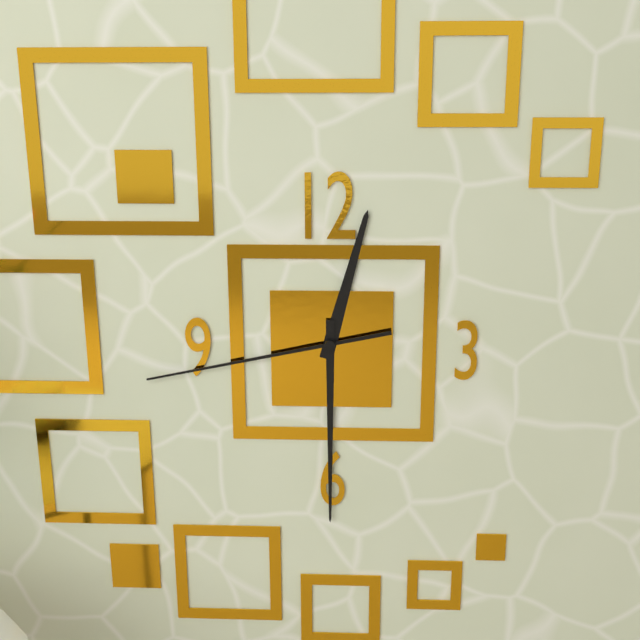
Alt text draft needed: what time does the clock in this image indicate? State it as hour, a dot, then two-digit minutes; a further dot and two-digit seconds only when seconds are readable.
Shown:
12.30.43
